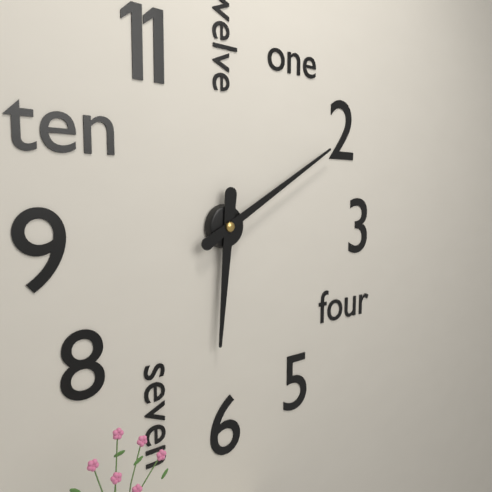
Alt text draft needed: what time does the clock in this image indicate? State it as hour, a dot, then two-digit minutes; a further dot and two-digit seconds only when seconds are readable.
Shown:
6.10
